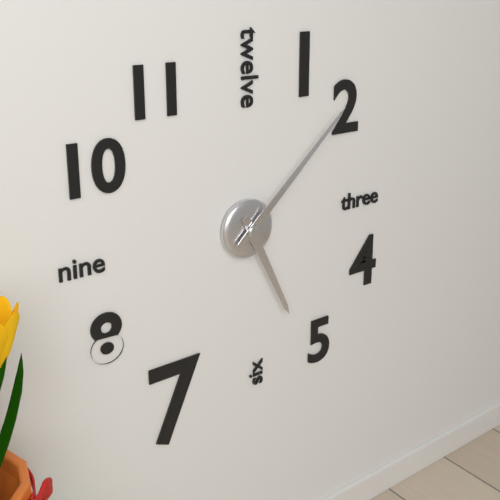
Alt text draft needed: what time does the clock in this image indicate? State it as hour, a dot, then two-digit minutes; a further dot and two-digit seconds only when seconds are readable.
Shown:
5.08
